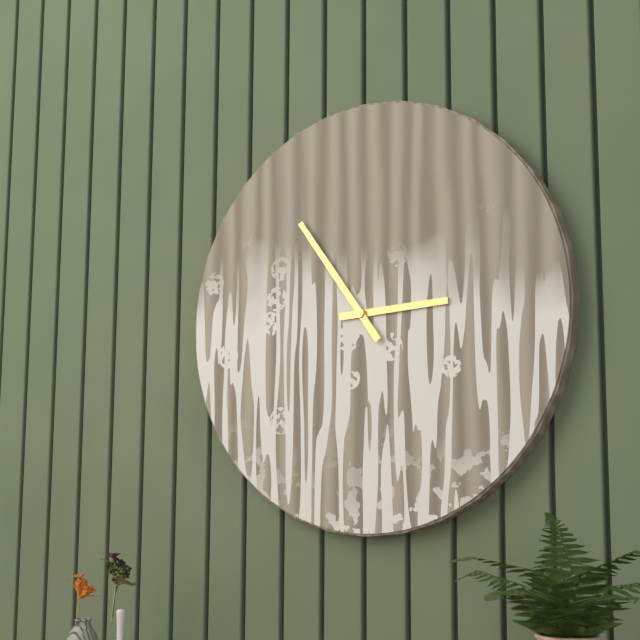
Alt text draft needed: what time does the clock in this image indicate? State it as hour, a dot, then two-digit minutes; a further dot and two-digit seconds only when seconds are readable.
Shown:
2.54
